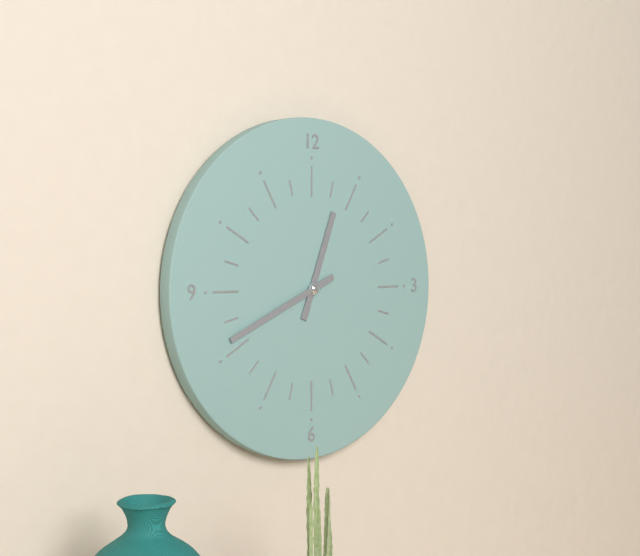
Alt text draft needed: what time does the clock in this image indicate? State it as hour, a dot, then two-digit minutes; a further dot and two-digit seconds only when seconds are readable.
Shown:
12.41
